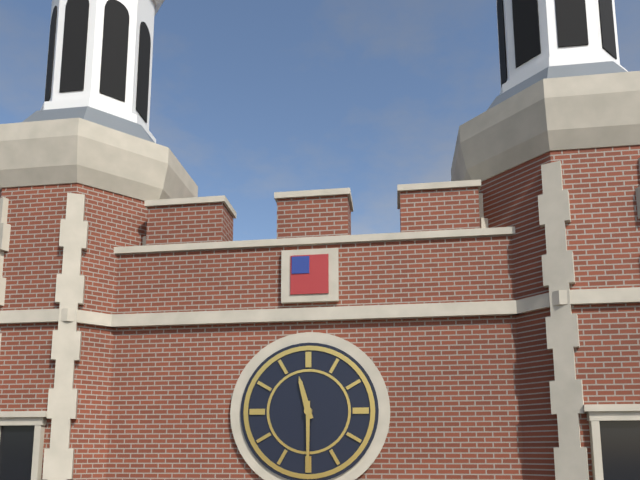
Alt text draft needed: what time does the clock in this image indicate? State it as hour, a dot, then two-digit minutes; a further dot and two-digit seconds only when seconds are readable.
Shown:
11.30
